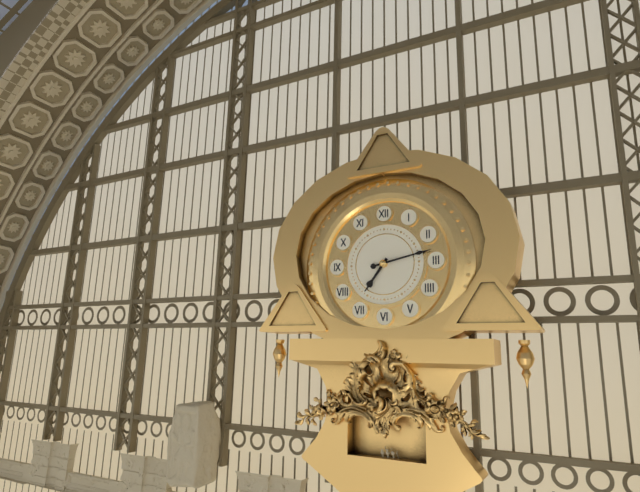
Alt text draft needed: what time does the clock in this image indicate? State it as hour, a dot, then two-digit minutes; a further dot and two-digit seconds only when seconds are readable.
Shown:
7.13
